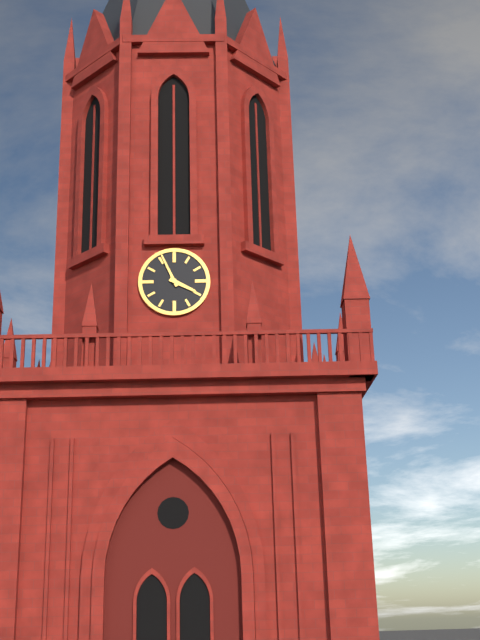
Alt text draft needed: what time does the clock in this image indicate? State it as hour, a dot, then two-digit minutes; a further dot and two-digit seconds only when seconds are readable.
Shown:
3.56
